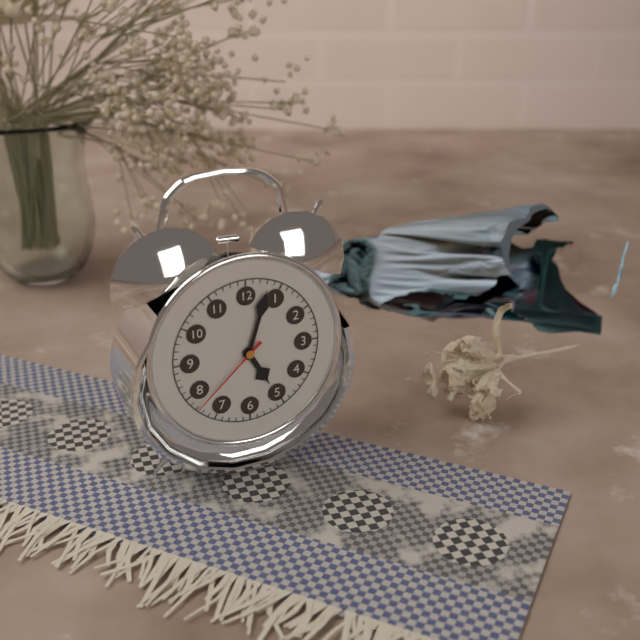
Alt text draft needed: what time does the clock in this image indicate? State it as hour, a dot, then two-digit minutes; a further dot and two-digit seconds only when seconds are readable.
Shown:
5.03.38
